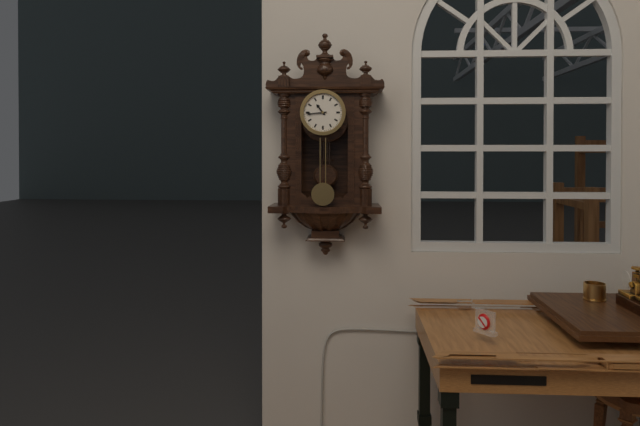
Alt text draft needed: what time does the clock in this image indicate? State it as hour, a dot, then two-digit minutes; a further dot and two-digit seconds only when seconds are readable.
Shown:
10.44
